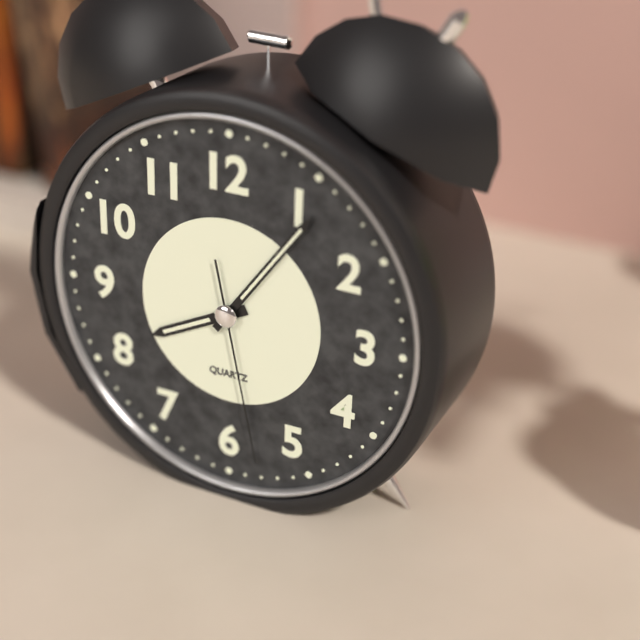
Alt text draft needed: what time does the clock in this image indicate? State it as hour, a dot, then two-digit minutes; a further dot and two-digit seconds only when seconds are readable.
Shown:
8.06.28
